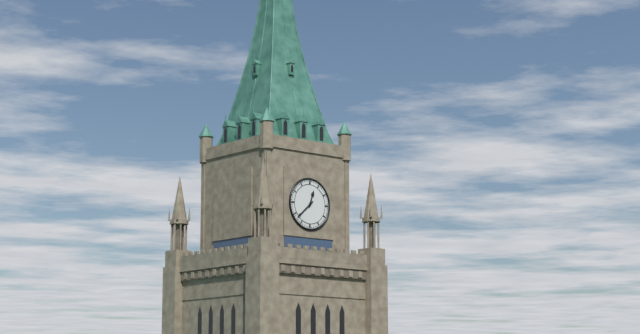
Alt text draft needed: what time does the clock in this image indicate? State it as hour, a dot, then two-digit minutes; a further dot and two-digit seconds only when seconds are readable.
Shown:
12.38
